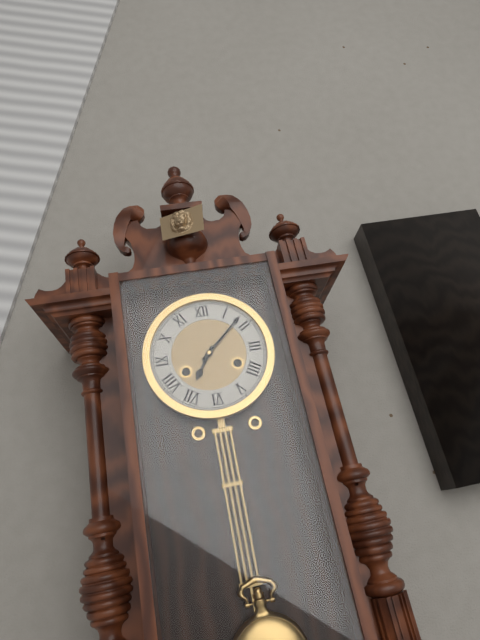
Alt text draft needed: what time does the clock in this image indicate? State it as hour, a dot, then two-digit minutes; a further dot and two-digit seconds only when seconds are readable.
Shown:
7.08
